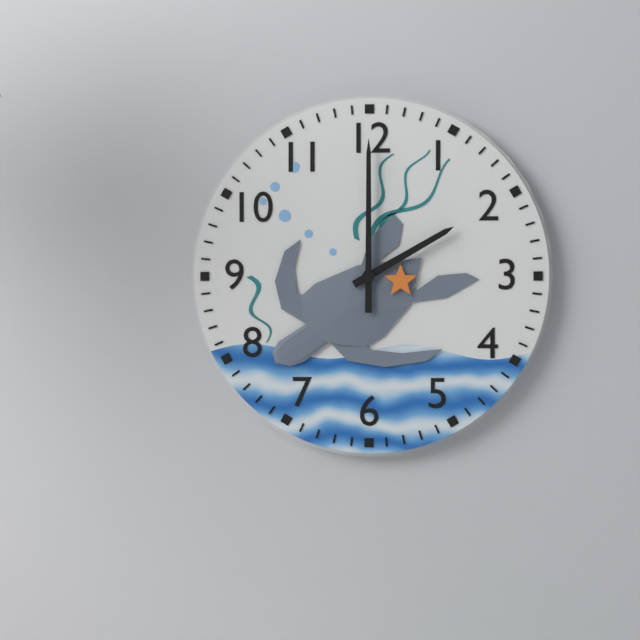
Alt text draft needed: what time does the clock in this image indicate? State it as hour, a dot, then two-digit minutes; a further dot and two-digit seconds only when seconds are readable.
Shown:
2.00
